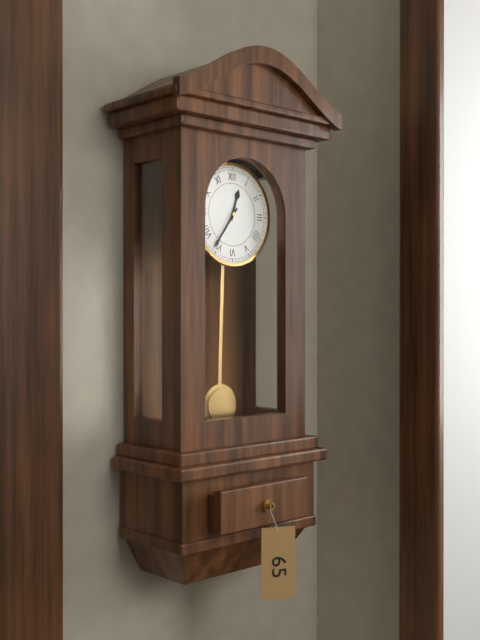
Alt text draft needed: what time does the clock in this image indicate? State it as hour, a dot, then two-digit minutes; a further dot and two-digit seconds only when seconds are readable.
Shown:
12.36
